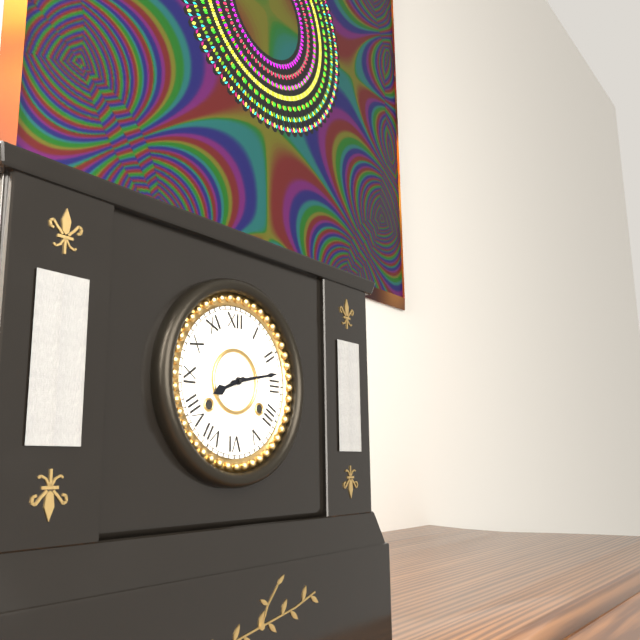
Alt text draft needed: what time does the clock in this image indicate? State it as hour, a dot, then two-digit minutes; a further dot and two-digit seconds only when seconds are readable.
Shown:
8.13
